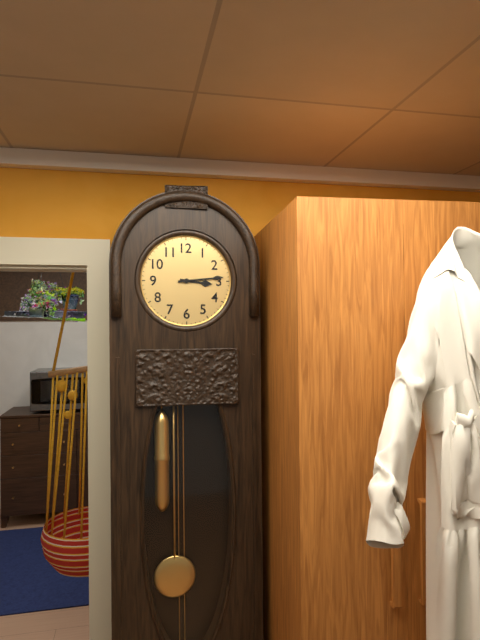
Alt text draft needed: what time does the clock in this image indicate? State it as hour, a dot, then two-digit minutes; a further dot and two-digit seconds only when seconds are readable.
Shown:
3.14
